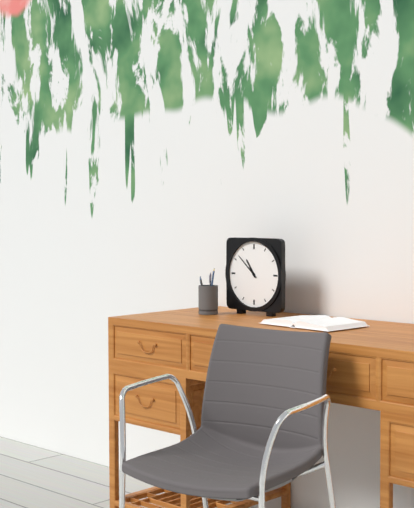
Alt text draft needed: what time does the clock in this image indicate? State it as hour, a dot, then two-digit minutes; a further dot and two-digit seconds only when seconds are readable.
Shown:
10.52
